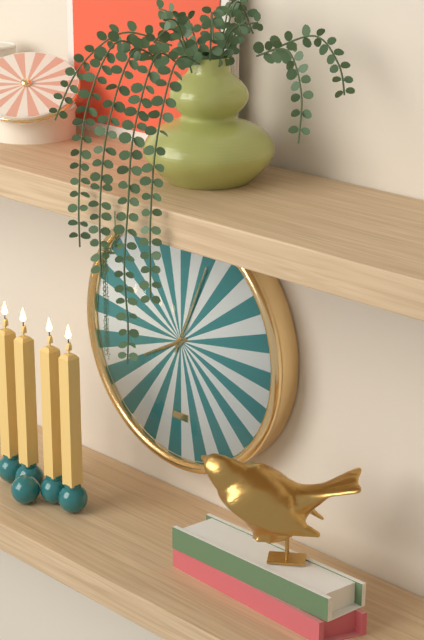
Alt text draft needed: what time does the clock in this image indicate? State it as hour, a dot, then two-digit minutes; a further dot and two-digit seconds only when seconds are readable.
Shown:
8.04
